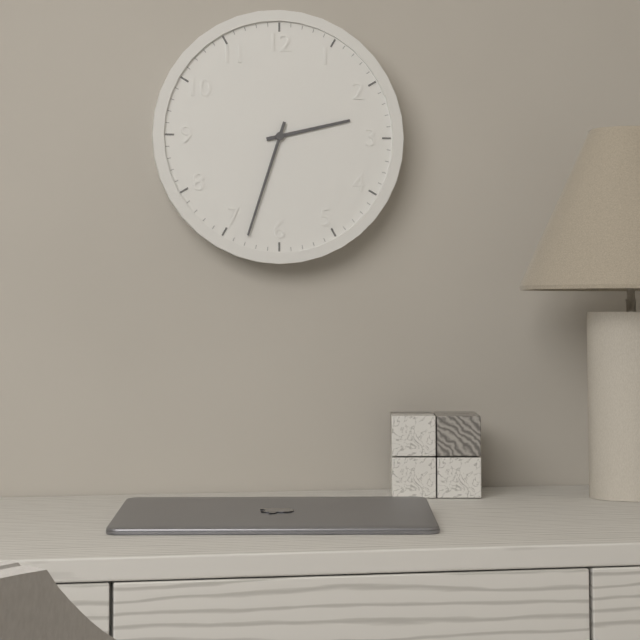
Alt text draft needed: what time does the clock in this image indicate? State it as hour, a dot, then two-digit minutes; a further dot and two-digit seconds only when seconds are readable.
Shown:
2.33
